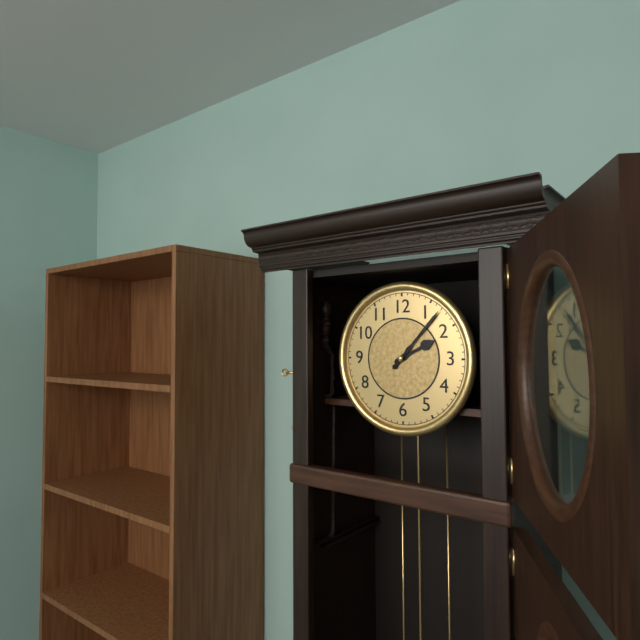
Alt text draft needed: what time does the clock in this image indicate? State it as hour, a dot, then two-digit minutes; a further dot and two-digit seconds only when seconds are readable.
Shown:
2.07
